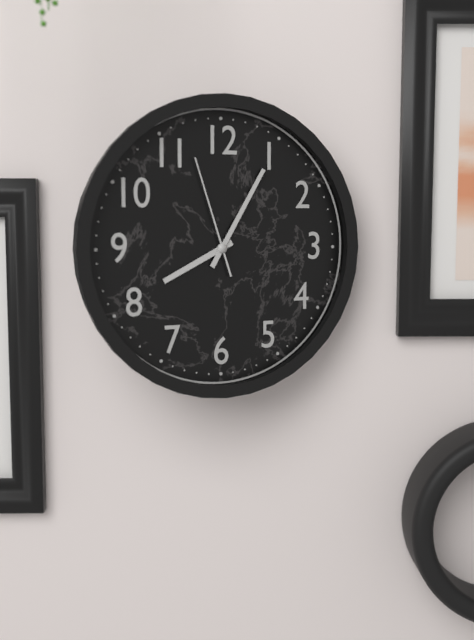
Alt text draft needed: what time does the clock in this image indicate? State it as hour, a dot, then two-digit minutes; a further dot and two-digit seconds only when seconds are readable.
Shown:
8.05.57
